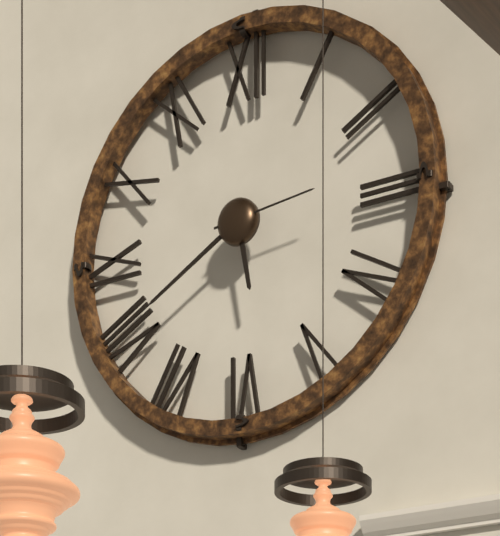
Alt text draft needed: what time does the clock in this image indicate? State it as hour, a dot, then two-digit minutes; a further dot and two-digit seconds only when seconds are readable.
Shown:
5.40.14
